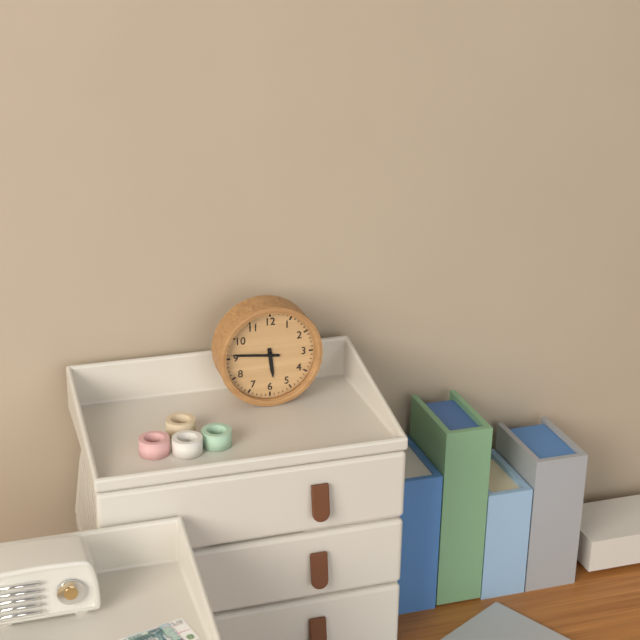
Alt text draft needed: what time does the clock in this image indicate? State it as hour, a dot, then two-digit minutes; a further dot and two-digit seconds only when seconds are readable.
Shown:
5.46
